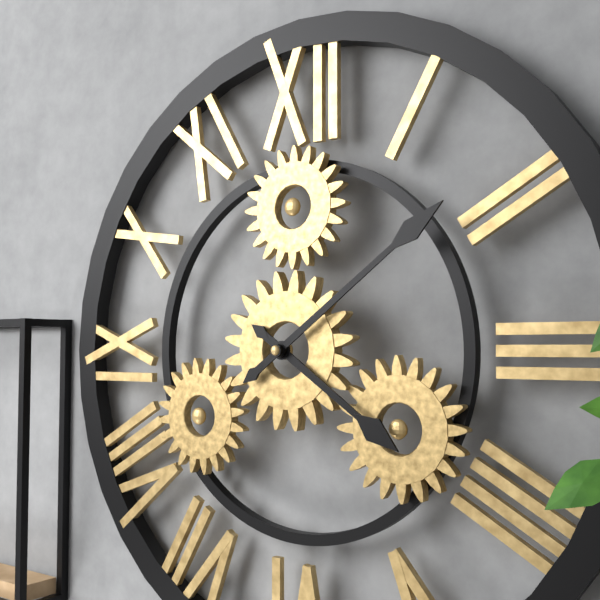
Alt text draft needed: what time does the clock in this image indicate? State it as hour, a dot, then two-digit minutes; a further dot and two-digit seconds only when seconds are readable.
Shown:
4.09
